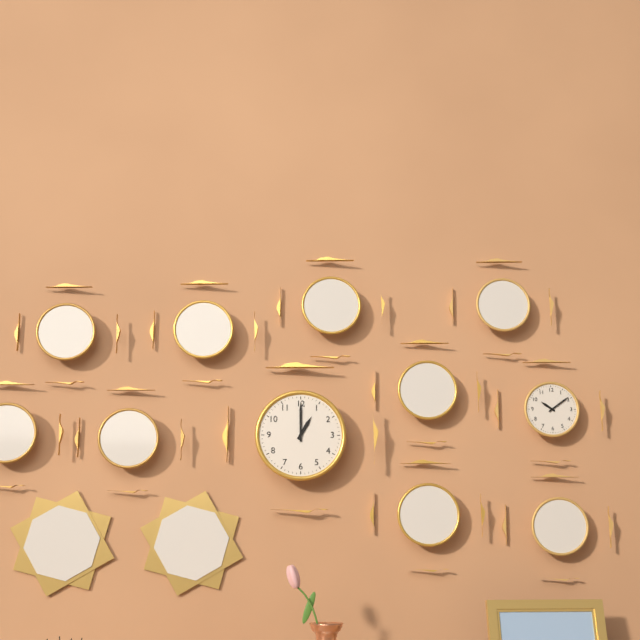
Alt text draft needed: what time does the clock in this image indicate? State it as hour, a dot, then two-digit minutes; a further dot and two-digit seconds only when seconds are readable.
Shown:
1.00
